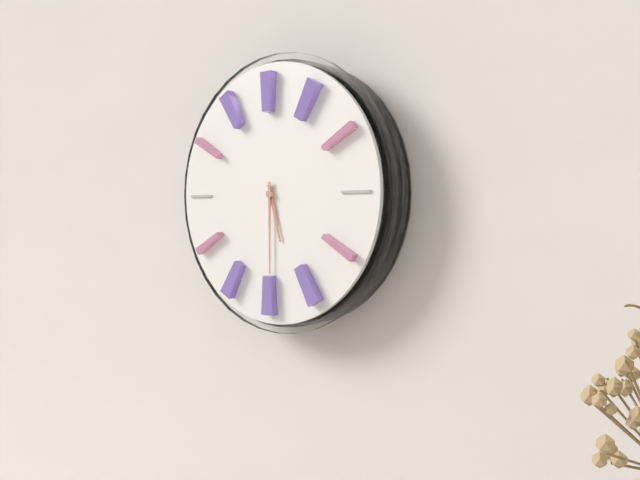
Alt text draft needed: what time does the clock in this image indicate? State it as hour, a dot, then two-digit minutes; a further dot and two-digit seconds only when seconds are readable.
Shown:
5.30
